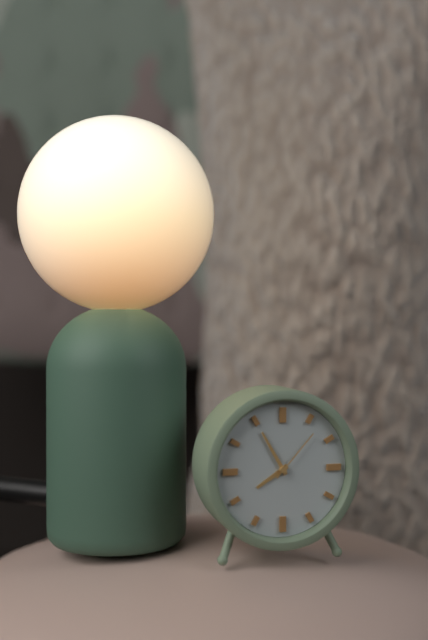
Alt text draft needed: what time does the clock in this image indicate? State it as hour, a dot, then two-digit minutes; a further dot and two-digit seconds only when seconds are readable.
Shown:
7.55.07
